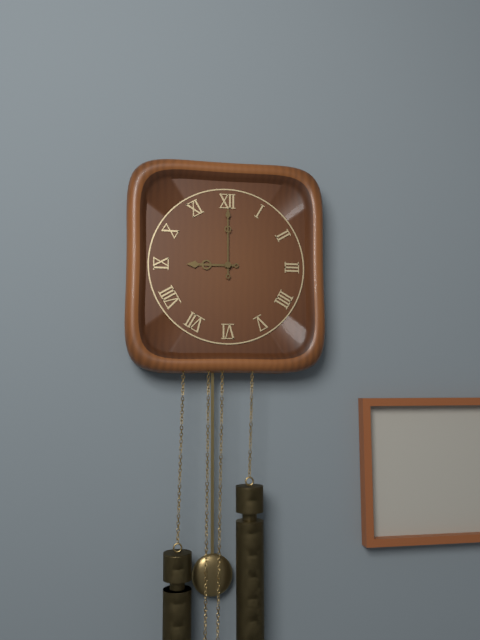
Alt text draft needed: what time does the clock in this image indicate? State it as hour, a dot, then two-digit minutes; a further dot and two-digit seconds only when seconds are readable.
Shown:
9.00
